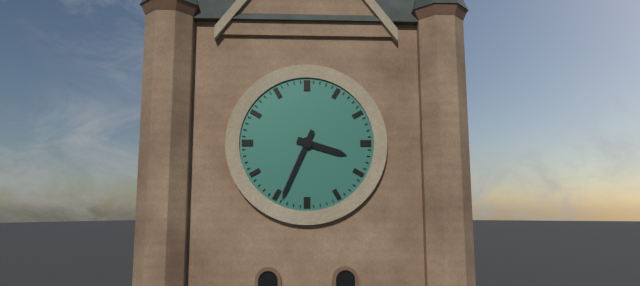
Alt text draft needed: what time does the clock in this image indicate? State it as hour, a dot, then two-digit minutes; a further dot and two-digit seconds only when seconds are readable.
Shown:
3.34
